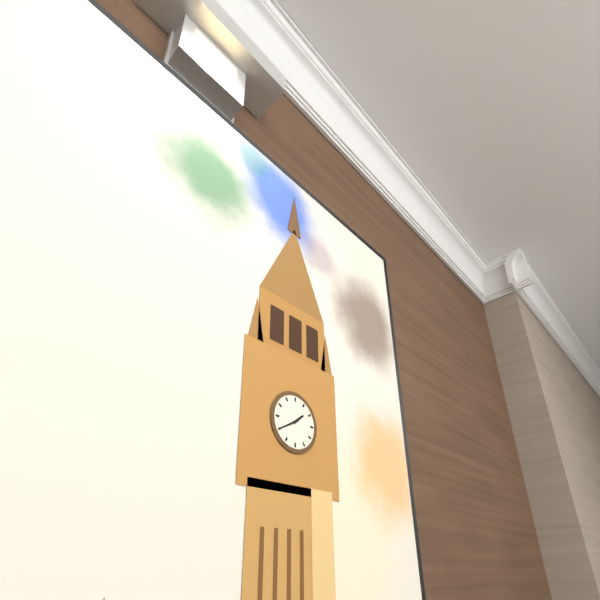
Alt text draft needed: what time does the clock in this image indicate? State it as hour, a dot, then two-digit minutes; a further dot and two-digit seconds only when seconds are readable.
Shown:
1.40
